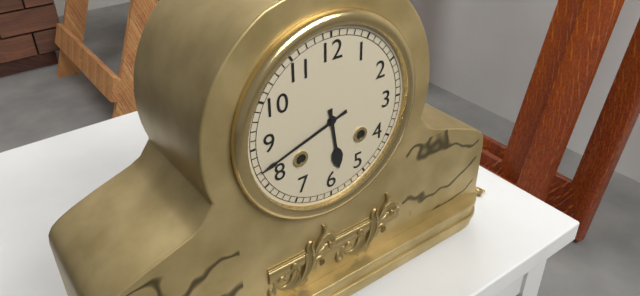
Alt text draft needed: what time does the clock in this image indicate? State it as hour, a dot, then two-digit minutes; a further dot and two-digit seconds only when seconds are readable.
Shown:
5.42
